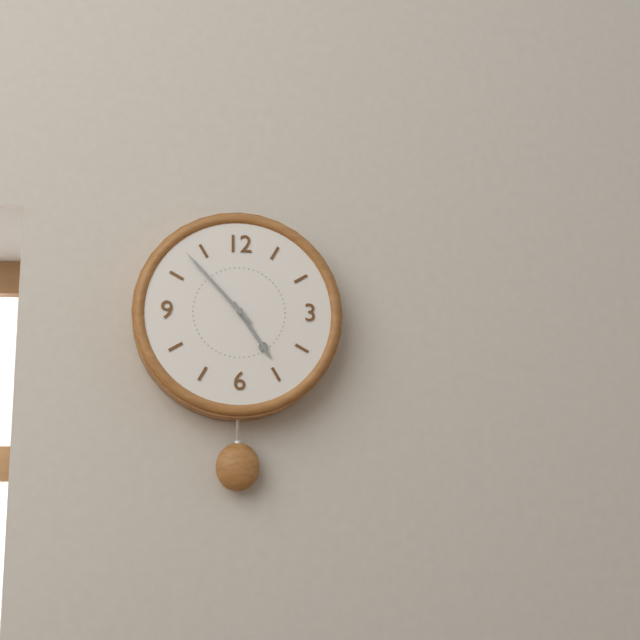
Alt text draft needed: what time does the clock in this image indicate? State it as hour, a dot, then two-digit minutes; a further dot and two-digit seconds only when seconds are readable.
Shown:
4.53
